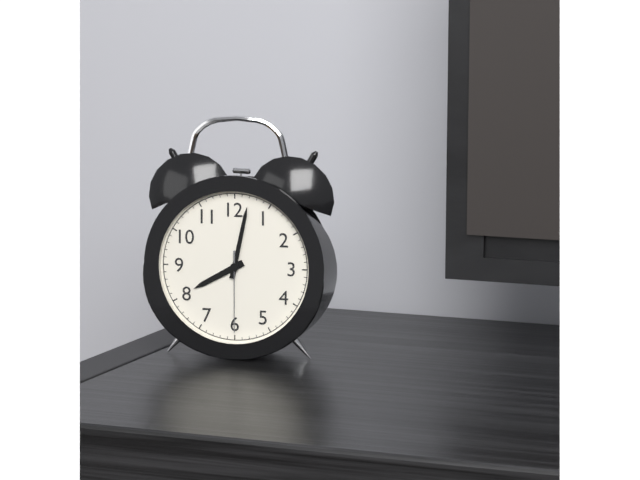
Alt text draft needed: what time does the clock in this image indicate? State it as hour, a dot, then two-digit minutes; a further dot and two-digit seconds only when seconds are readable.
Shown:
8.02.30
